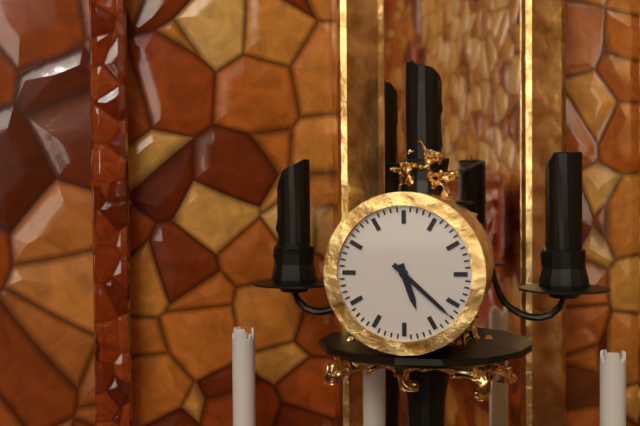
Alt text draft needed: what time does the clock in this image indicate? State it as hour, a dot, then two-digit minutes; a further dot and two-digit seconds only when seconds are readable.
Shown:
5.22
